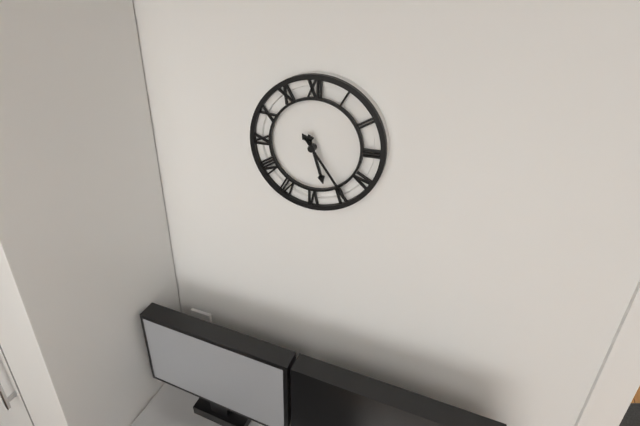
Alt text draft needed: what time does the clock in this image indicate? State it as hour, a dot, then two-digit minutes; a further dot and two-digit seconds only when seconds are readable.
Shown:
5.24
